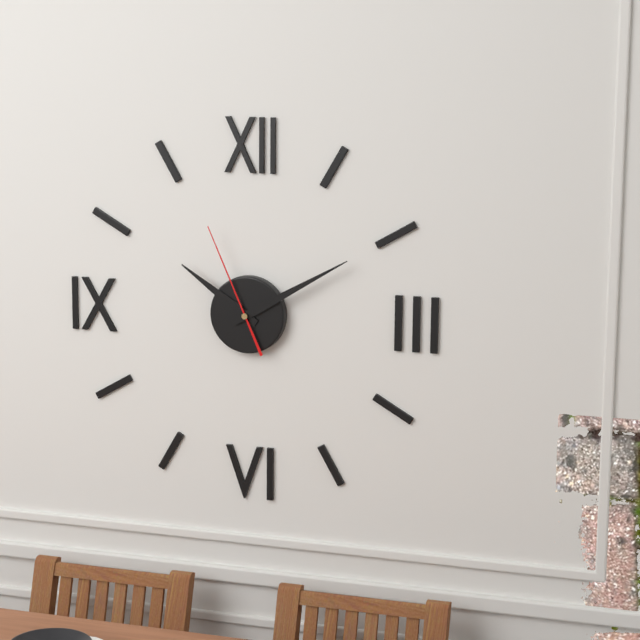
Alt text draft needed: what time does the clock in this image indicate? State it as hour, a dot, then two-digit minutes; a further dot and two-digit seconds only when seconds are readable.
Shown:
10.10.56
